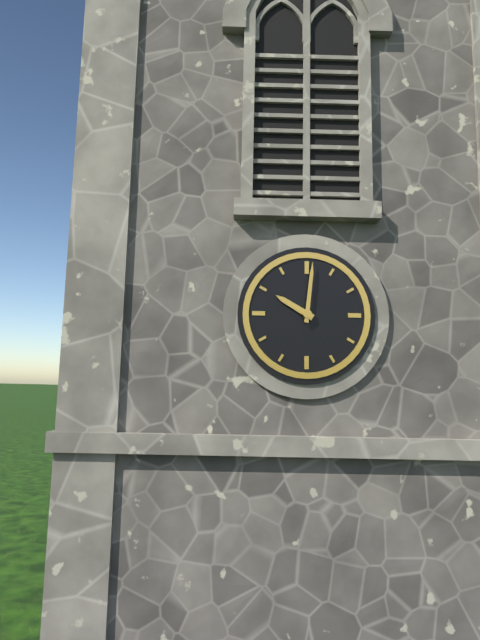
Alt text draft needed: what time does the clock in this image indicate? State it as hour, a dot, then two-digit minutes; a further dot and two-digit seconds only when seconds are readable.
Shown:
10.01
